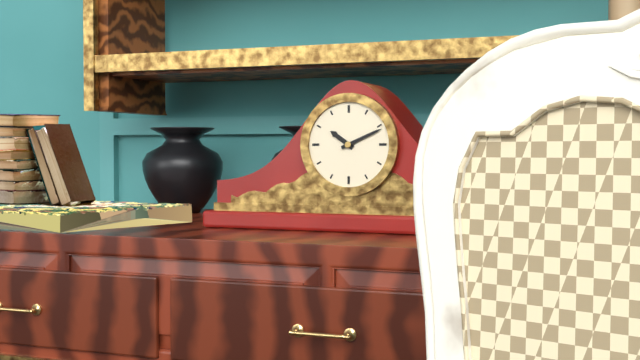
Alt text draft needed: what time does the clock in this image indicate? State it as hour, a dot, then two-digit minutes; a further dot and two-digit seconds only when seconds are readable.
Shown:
10.11
